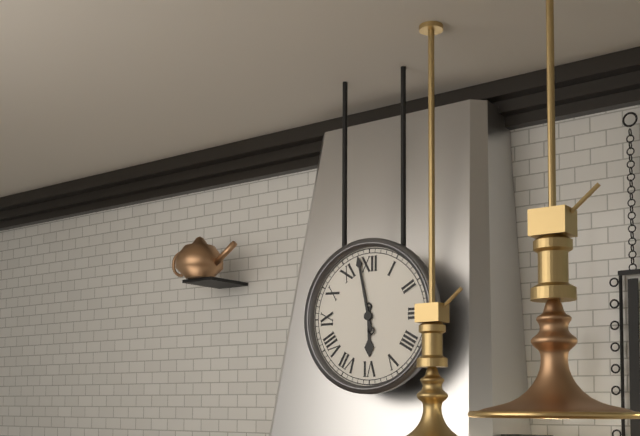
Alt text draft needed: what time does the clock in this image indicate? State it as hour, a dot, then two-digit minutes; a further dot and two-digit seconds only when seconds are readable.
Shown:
5.58
